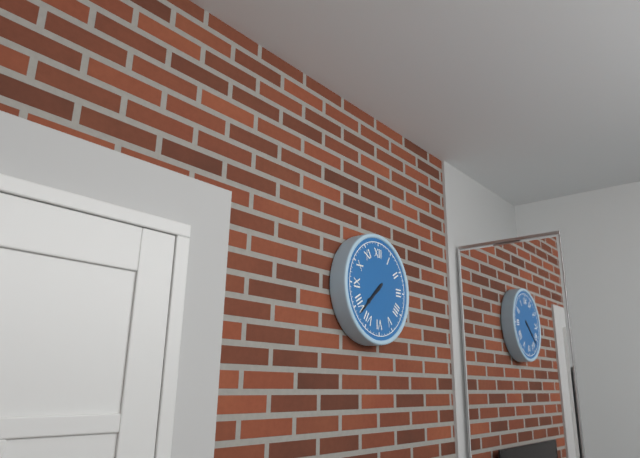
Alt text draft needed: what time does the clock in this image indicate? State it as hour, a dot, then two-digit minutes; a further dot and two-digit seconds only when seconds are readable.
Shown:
7.38
